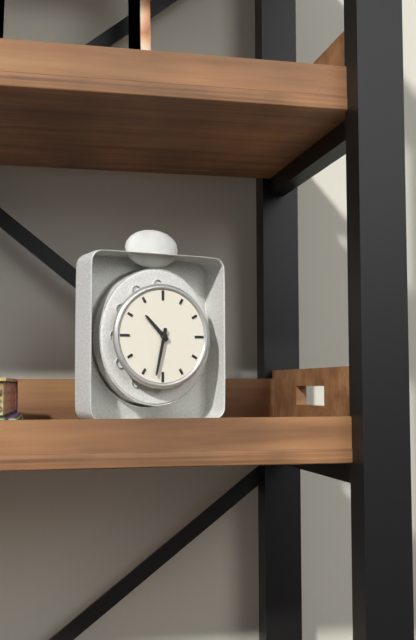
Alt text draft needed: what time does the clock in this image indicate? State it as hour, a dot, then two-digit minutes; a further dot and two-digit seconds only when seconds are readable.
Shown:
10.32
